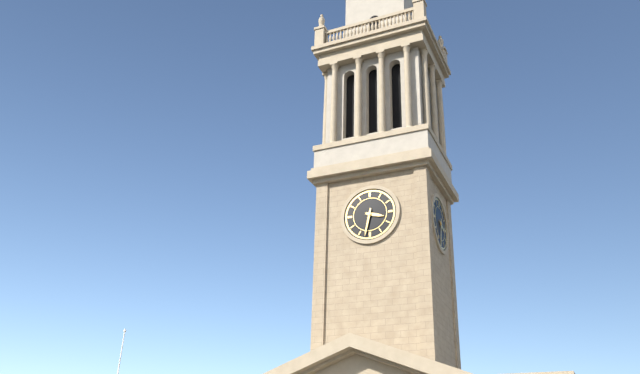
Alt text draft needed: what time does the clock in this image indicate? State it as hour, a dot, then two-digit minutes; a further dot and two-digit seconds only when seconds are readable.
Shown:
3.32
